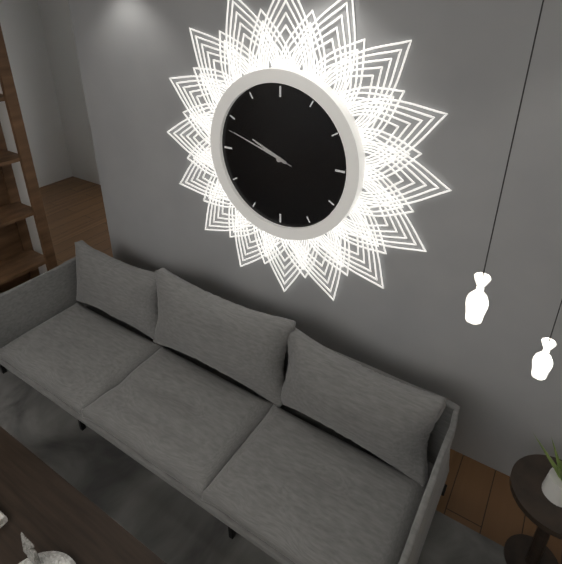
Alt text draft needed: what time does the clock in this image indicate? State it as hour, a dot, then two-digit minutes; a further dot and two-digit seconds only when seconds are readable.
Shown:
9.48.48
